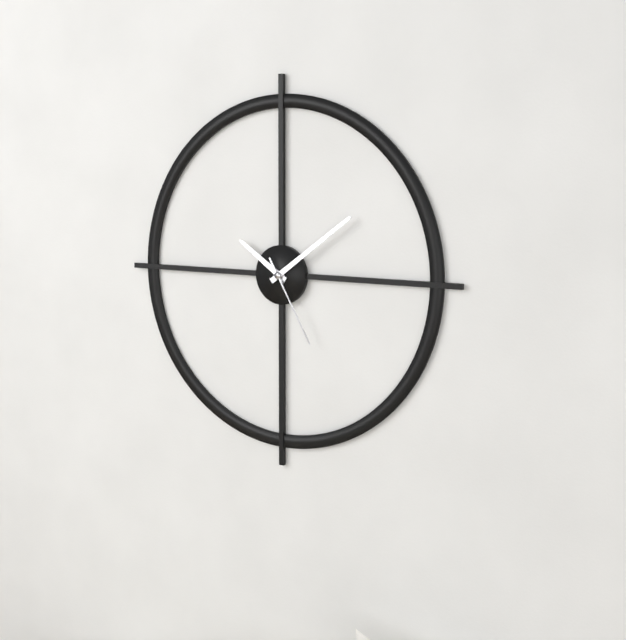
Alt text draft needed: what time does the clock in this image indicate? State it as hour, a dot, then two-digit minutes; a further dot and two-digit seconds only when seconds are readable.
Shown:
10.09.25
